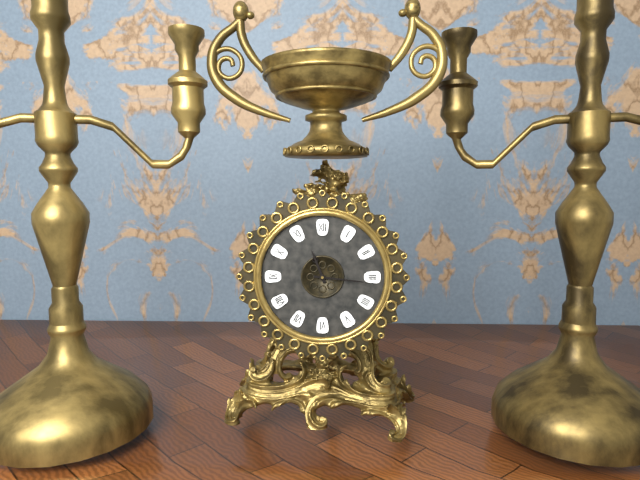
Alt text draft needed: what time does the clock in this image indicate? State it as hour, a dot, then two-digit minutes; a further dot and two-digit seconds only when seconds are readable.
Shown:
11.16
